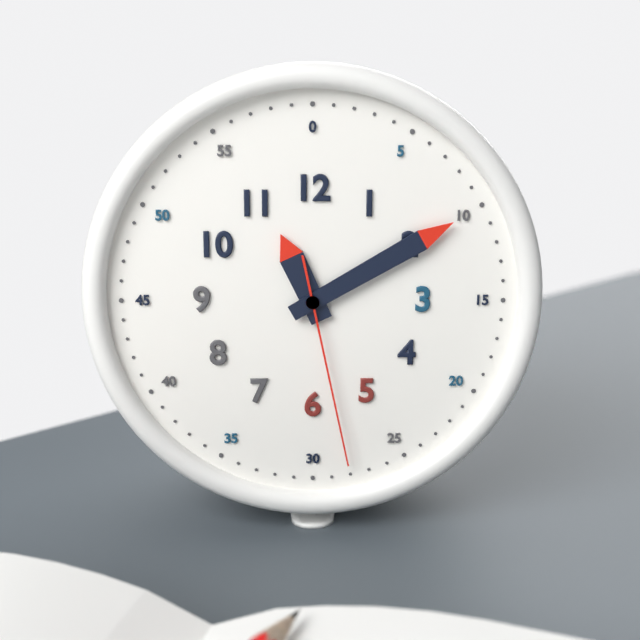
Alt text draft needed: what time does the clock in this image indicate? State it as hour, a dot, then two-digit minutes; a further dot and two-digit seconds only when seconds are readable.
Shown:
11.10.28
